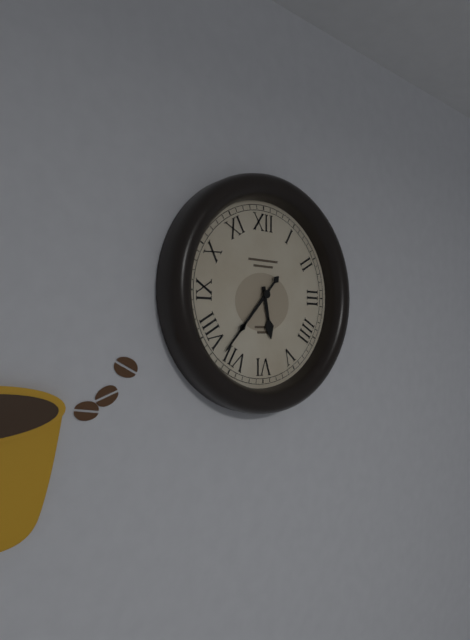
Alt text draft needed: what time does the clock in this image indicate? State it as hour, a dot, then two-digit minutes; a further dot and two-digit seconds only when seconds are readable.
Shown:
5.37
